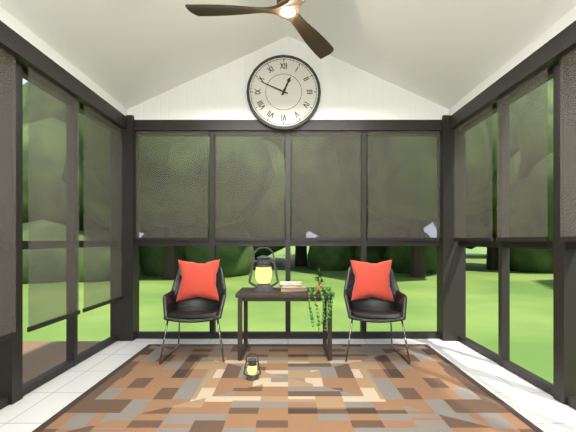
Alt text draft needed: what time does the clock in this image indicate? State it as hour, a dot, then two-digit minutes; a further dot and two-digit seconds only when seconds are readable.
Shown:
12.49
